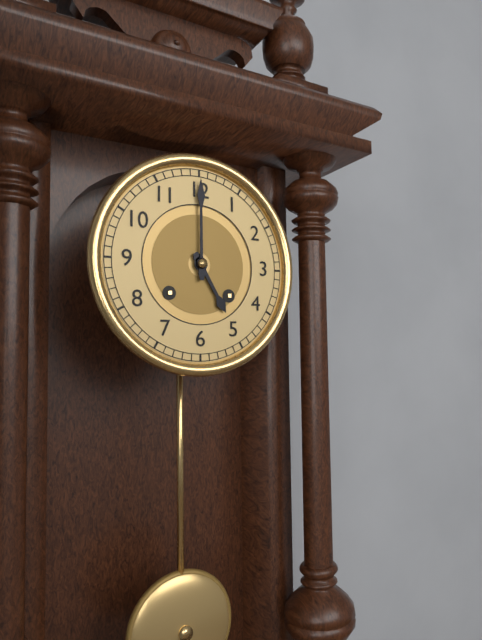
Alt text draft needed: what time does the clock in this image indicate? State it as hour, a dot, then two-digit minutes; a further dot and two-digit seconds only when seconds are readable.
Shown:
5.00
